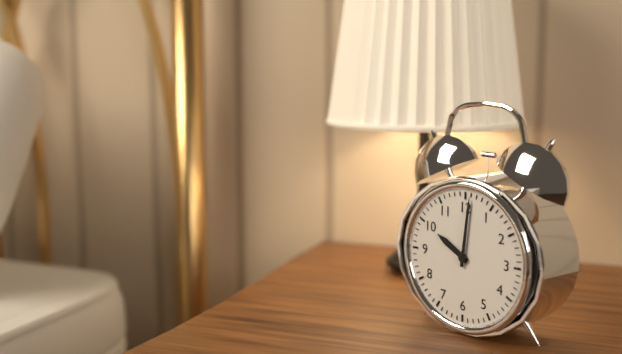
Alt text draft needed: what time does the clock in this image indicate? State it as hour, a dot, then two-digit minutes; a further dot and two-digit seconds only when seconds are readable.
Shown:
10.01
